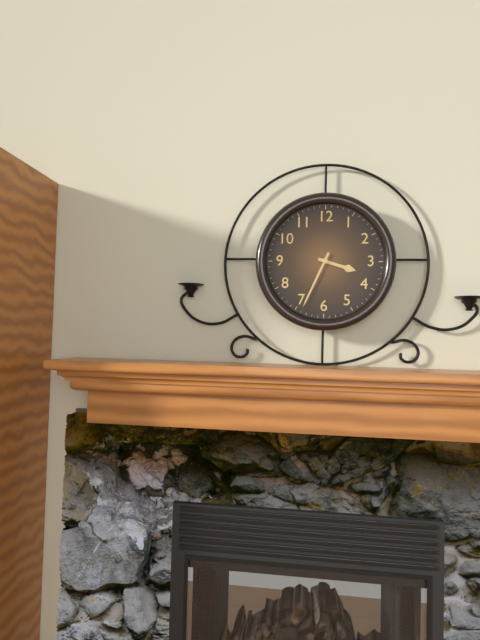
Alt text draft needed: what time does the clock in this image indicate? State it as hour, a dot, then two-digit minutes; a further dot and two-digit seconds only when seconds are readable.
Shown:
3.34
